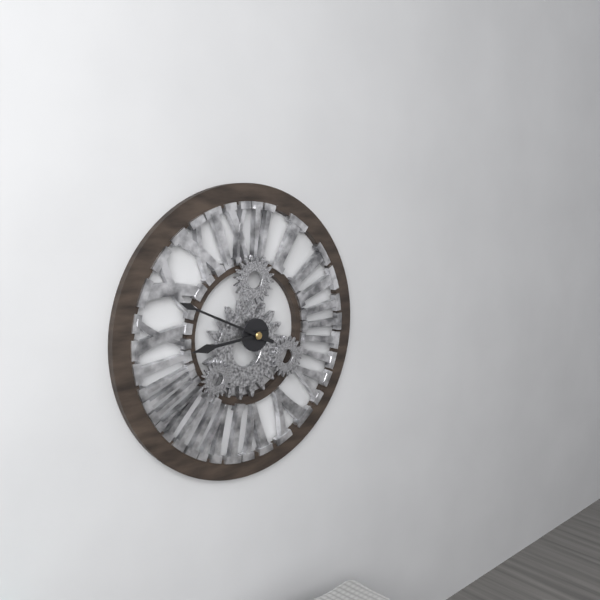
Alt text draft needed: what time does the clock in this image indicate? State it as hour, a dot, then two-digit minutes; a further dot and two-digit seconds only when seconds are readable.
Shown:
8.49
